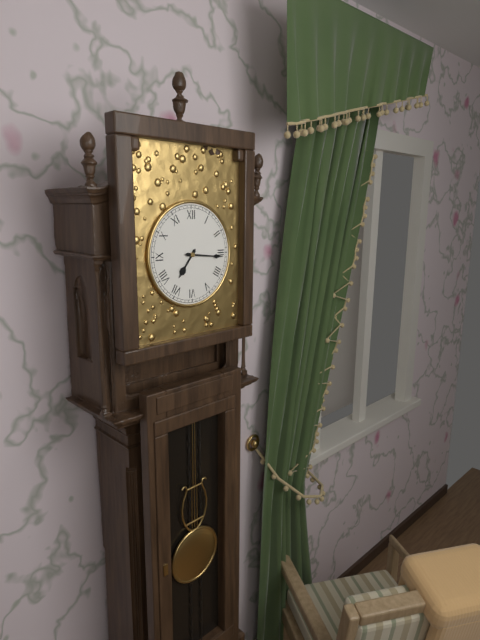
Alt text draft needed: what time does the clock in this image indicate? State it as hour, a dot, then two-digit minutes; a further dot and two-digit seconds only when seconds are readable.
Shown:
7.16
